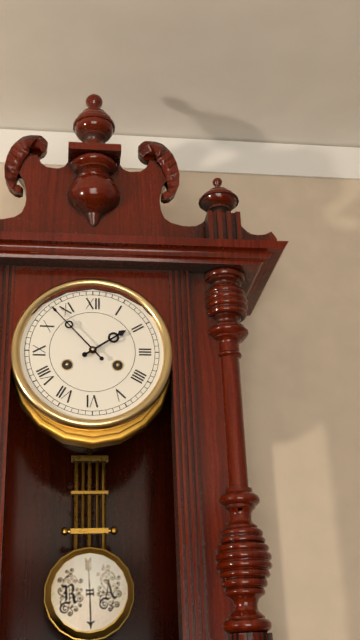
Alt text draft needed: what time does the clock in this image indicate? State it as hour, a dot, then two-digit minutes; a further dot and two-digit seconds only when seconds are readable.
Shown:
1.53
